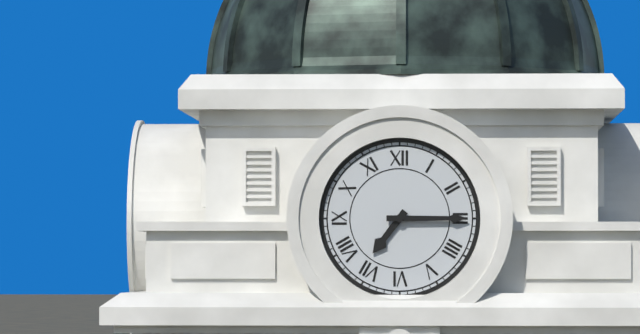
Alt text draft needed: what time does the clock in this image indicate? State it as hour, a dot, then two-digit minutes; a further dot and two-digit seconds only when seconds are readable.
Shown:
7.15
